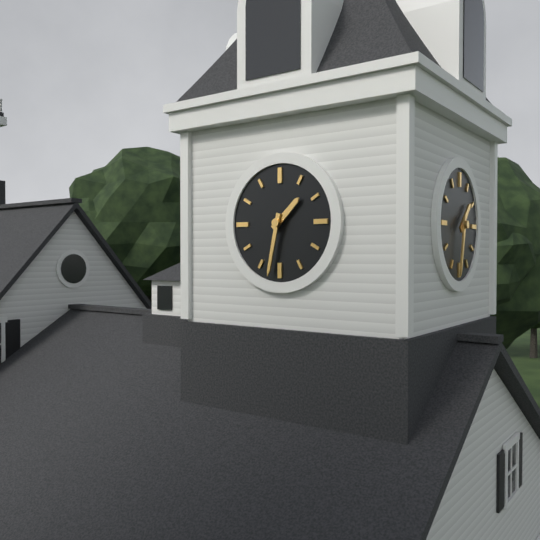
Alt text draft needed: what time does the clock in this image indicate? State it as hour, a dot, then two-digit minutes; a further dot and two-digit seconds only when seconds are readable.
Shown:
1.32
